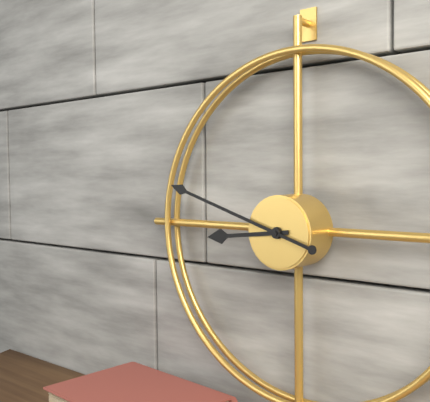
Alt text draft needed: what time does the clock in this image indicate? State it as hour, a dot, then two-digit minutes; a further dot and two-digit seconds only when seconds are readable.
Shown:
8.48
